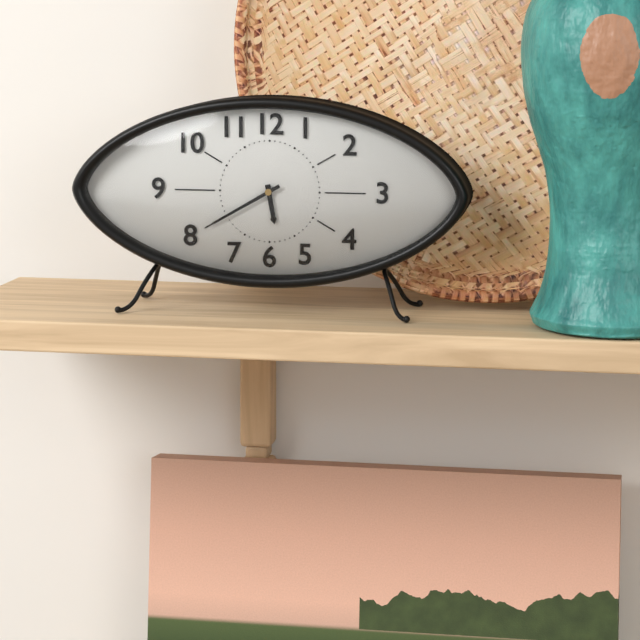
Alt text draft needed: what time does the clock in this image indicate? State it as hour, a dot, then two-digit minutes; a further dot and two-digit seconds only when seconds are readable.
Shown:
5.40
